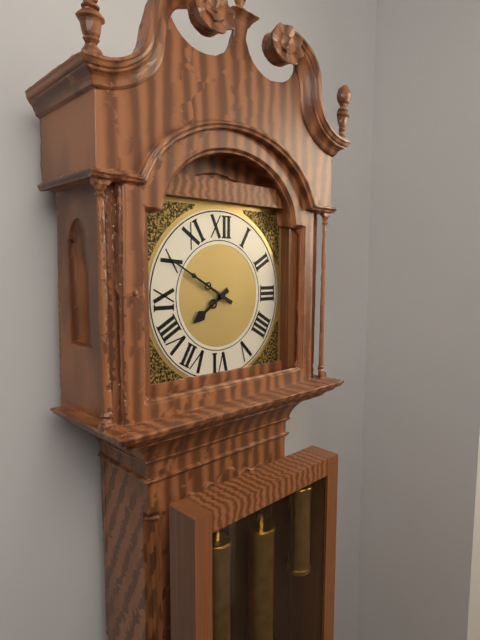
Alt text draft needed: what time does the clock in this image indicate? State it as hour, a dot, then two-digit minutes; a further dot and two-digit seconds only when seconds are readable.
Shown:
7.50
